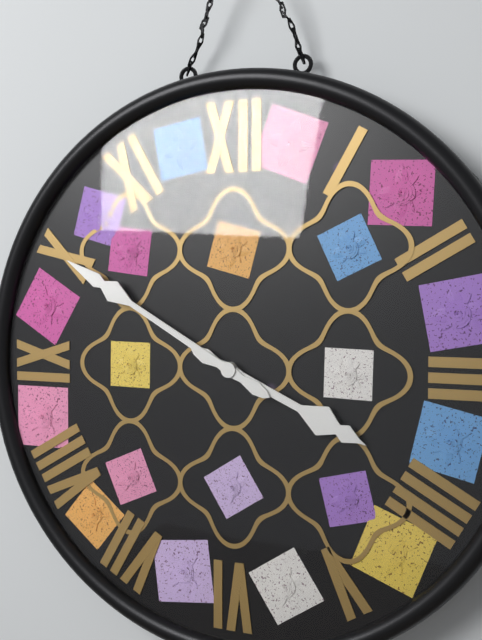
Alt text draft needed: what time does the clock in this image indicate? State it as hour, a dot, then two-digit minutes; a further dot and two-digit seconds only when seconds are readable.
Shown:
3.50
